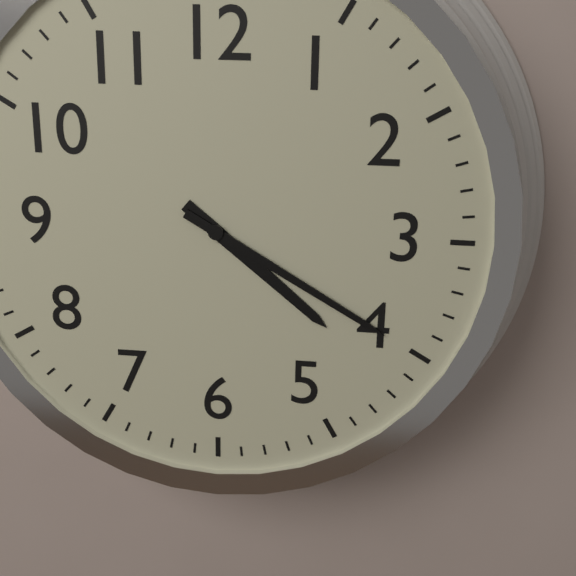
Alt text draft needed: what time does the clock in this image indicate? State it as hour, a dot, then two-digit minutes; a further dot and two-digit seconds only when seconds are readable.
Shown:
4.20
